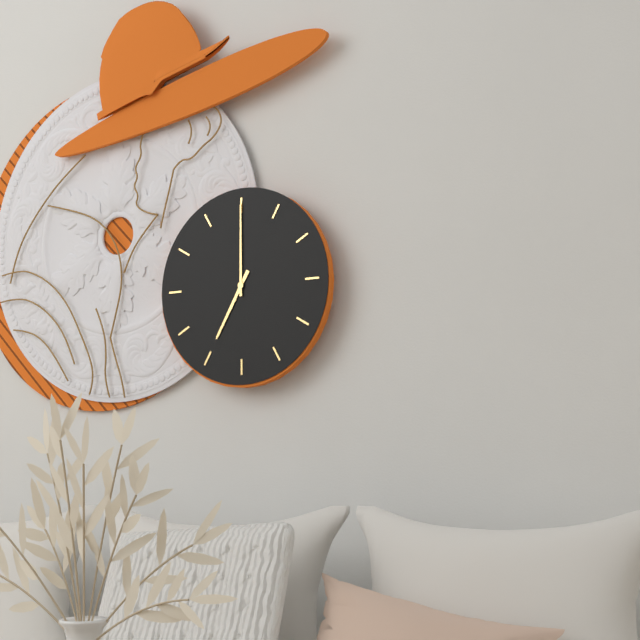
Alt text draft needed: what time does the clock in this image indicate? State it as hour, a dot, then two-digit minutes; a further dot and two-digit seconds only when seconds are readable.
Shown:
7.00
